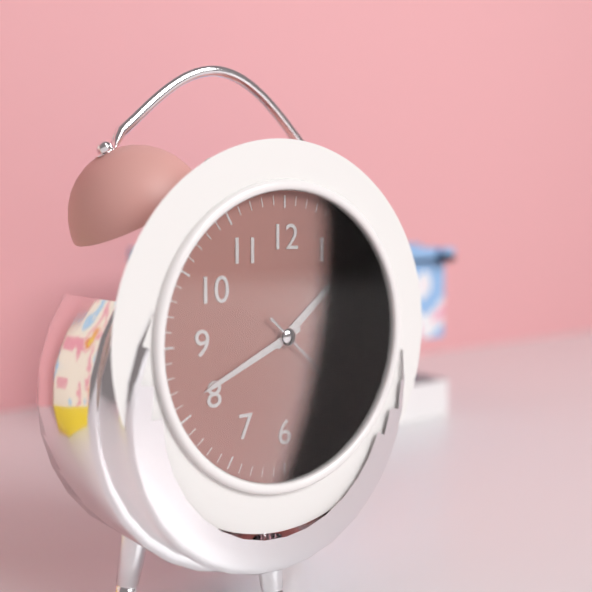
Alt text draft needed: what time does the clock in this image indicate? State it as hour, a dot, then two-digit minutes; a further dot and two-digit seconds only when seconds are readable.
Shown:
1.41.22
